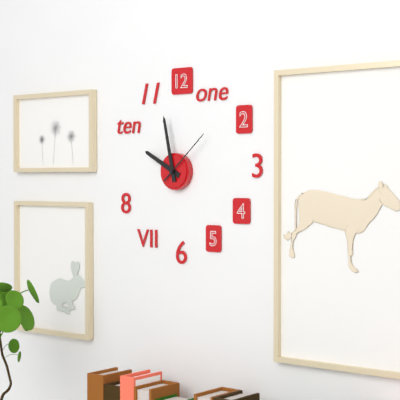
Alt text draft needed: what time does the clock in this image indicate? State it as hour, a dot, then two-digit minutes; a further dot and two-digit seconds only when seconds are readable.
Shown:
9.58.08
